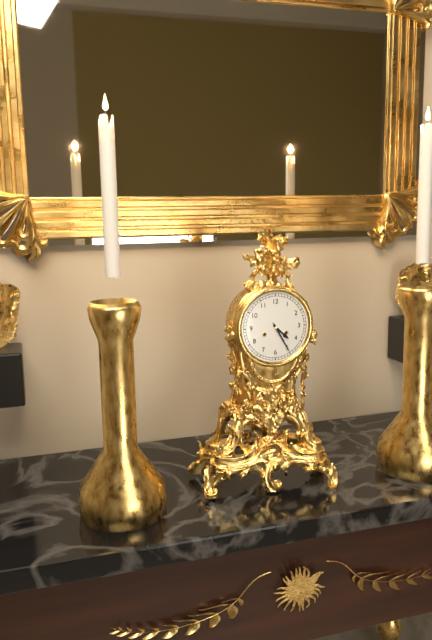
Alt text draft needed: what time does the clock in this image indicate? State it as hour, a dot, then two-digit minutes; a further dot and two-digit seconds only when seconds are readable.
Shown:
4.25
